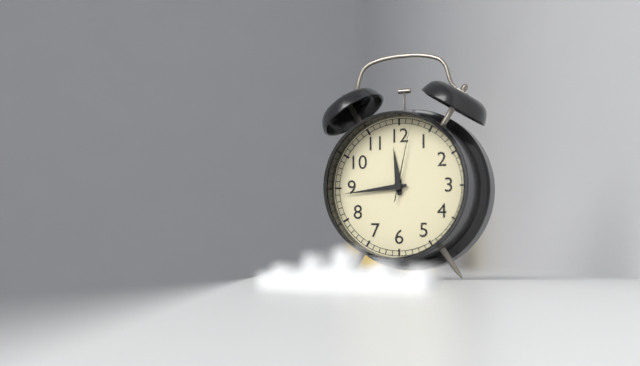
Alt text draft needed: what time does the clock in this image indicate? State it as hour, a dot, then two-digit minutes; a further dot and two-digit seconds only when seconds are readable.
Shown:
11.44.02
